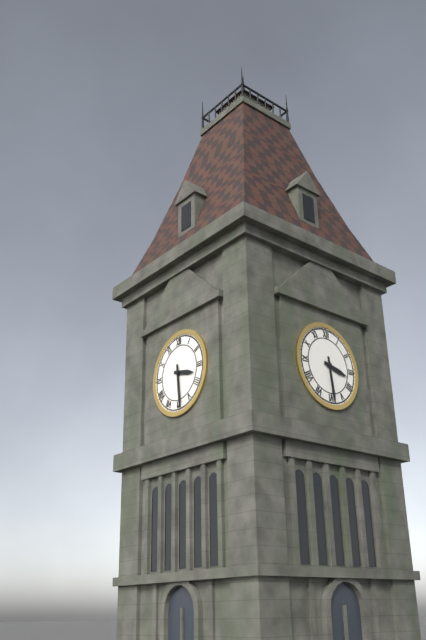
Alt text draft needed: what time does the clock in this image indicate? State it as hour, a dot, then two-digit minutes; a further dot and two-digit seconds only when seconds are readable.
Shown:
3.29
